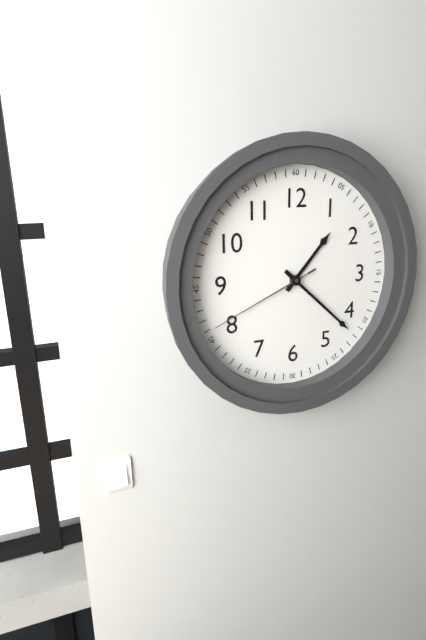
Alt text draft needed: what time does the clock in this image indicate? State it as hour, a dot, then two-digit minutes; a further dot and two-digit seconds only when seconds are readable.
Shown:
1.22.41
